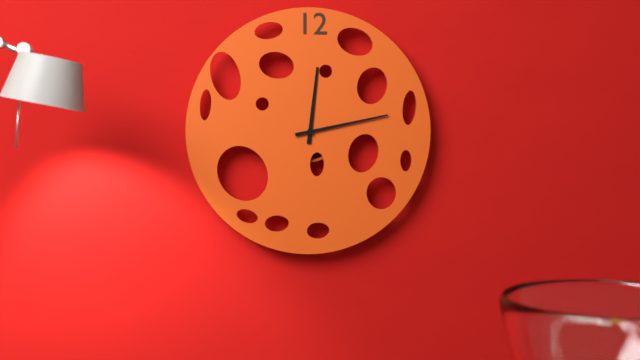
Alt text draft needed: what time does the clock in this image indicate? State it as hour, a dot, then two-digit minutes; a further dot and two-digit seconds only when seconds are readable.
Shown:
12.13
